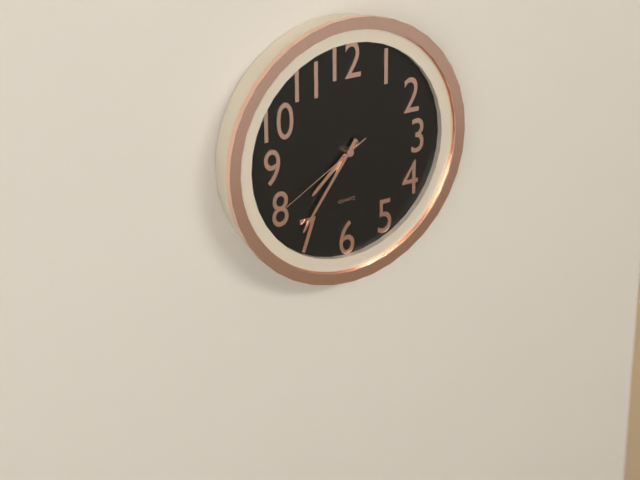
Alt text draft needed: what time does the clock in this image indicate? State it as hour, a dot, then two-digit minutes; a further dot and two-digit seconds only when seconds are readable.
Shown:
7.36.40
